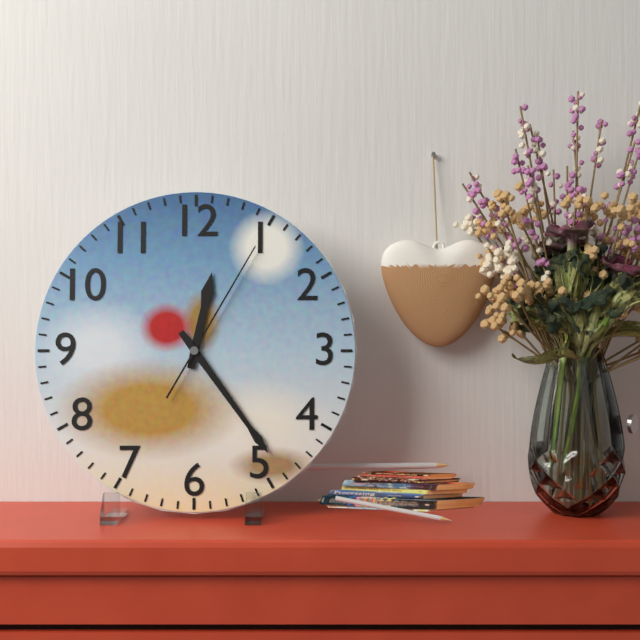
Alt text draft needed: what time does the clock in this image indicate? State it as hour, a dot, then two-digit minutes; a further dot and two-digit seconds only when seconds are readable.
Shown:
12.24.05
